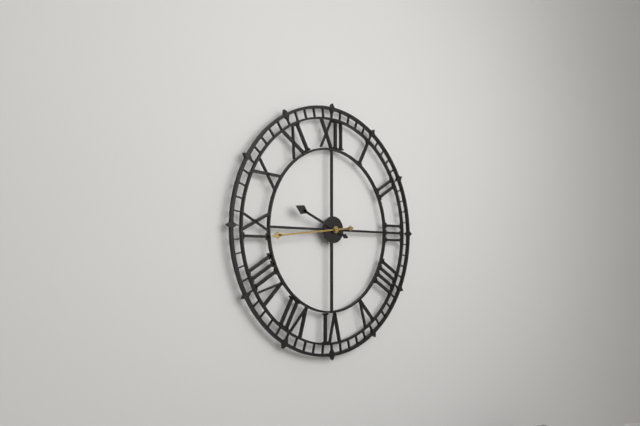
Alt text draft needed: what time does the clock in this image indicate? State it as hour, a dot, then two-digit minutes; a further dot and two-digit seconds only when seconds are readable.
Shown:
9.44
